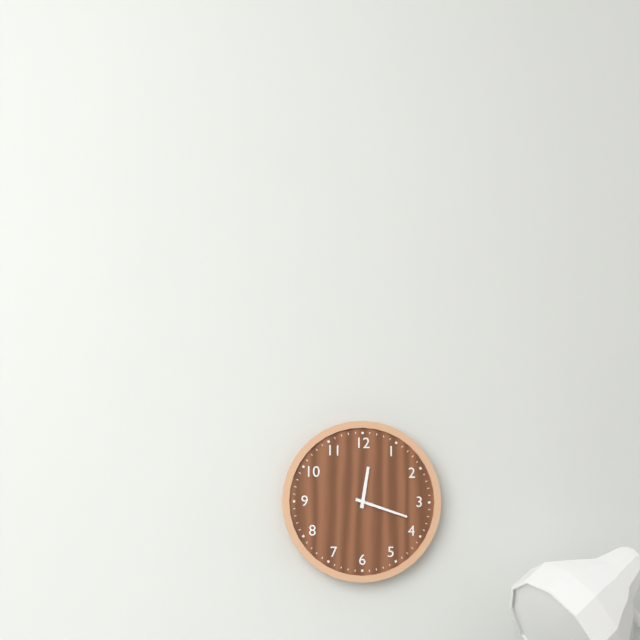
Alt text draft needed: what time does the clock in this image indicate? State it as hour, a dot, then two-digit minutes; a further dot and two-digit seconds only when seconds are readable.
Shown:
12.18
